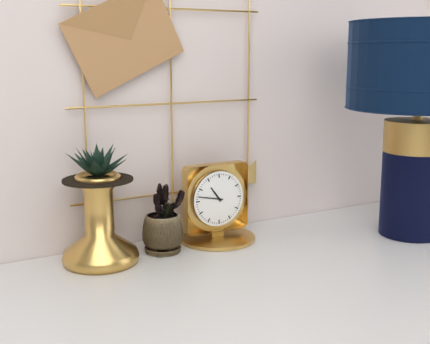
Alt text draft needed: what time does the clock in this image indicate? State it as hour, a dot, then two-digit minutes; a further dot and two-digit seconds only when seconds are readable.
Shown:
10.47
